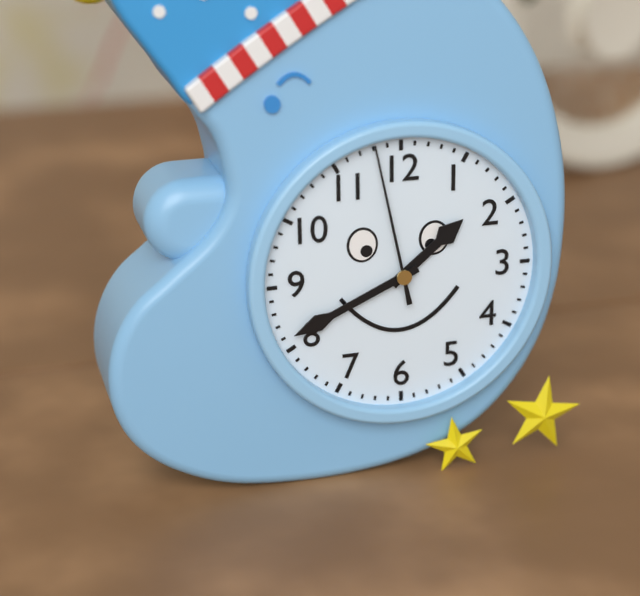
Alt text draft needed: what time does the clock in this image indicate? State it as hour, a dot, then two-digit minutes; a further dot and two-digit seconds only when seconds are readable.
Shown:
1.41.58
